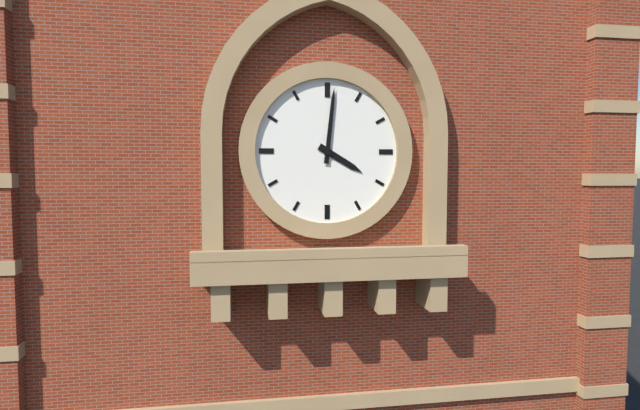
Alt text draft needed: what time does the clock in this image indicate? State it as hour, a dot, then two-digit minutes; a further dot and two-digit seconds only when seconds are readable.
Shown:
4.01
